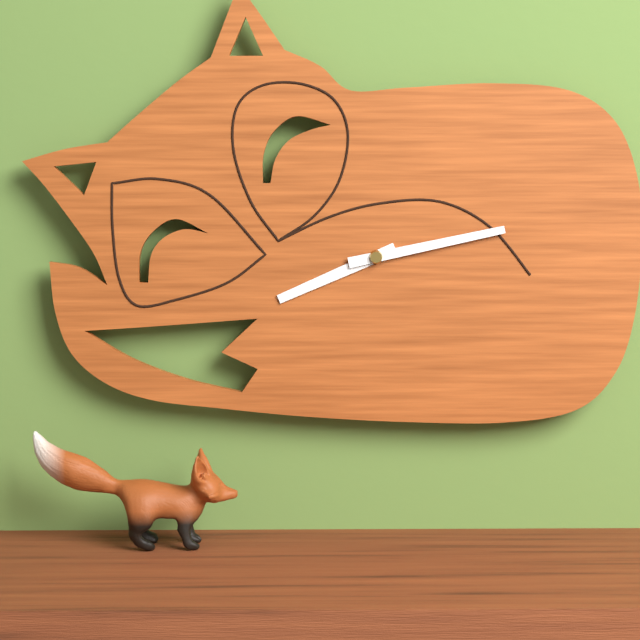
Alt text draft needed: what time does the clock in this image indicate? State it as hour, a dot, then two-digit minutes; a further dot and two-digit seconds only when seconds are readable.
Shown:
8.13
